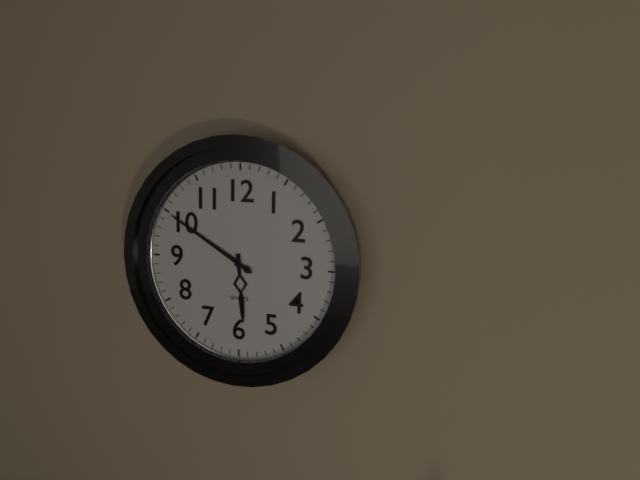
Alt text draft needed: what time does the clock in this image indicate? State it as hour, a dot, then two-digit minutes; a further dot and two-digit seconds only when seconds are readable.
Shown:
5.50
